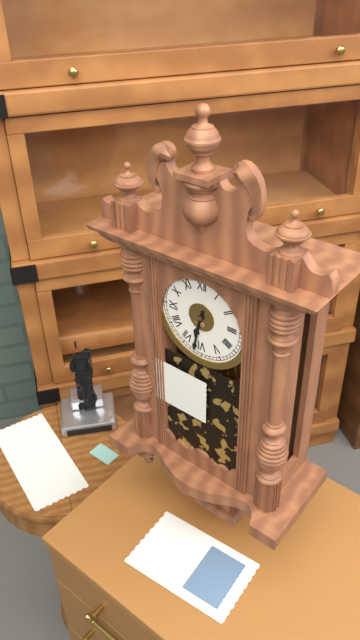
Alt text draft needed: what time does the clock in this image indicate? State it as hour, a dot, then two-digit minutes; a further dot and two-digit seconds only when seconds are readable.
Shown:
6.32
